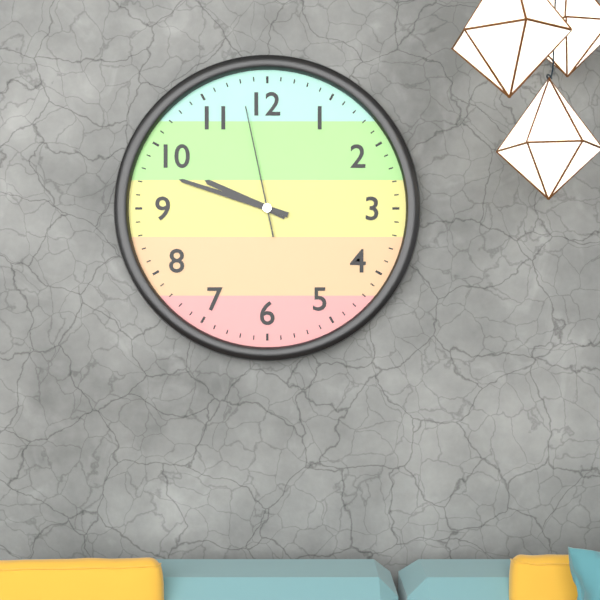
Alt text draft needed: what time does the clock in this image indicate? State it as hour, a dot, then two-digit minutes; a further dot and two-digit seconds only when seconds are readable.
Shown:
9.48.58
